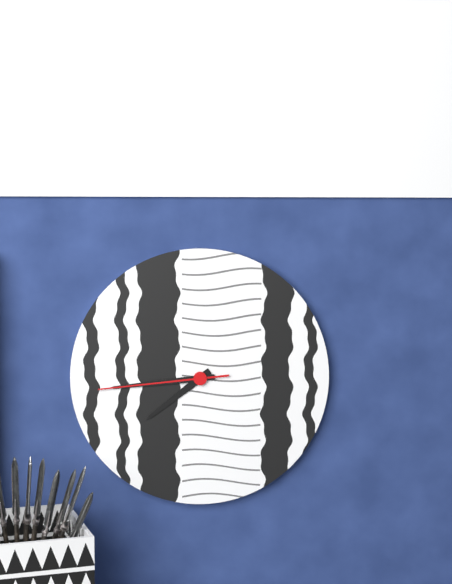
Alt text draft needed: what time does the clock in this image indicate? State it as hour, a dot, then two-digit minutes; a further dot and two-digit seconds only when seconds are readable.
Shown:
7.44.44
